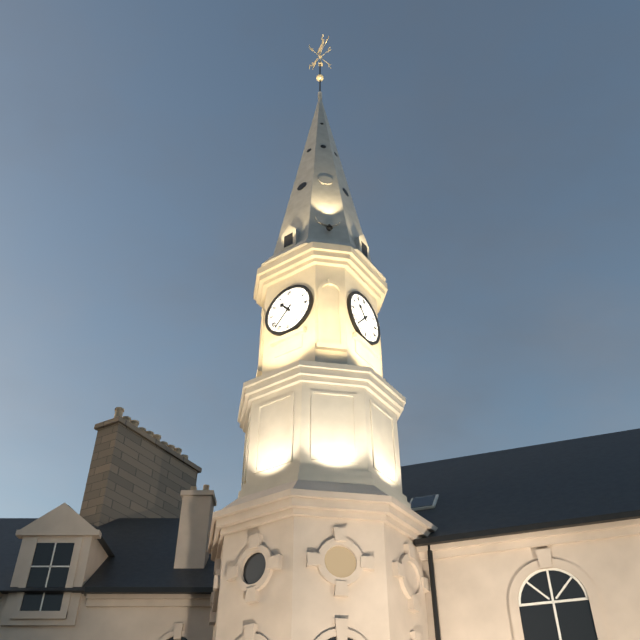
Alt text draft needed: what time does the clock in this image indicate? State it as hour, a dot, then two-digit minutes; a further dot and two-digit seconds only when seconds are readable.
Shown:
10.37
